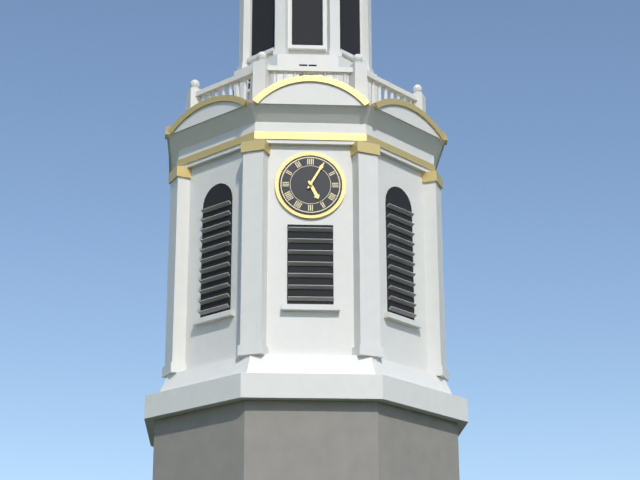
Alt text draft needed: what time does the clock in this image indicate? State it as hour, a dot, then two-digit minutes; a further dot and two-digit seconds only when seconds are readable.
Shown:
5.05
